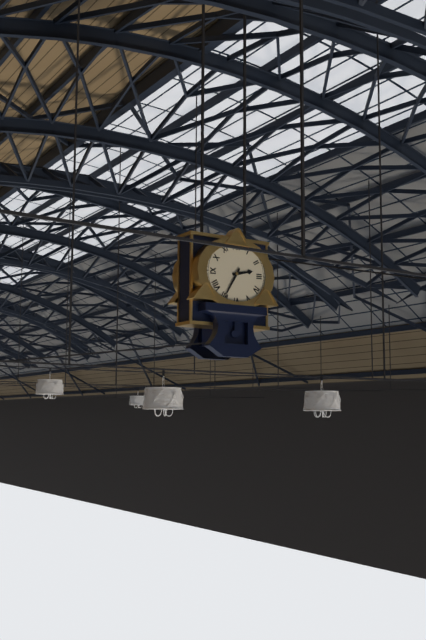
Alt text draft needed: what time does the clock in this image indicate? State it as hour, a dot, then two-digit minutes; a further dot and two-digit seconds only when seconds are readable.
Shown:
2.35
